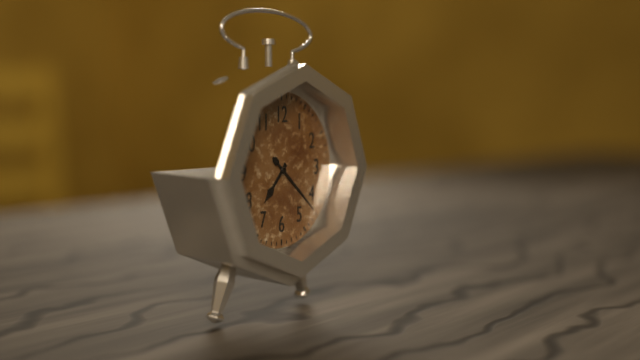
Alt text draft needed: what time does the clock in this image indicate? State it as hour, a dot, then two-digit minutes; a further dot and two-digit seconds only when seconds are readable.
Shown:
7.22
